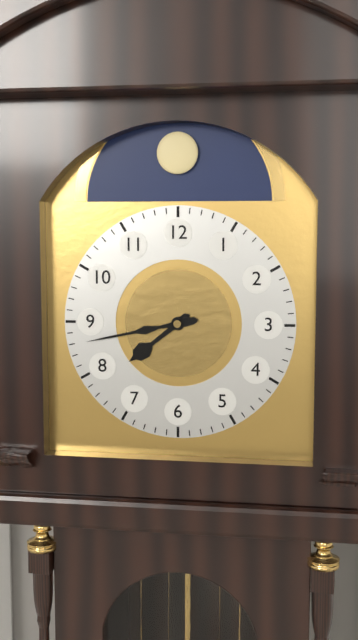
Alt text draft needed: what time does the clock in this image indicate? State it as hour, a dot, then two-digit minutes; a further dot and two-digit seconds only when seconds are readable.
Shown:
7.43
